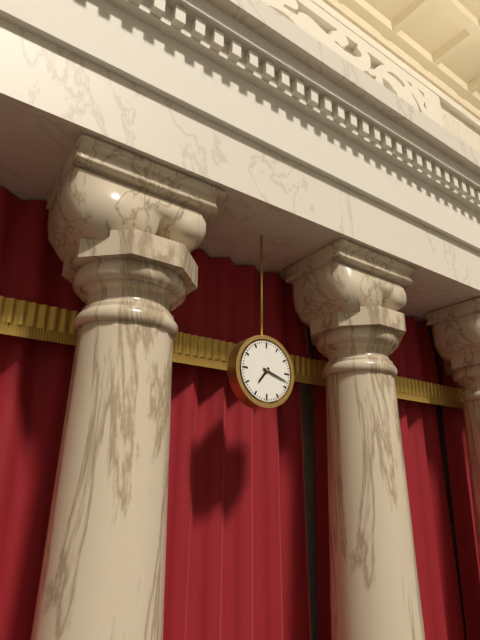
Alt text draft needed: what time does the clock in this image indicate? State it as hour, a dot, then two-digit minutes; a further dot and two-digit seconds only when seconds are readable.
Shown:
7.18
